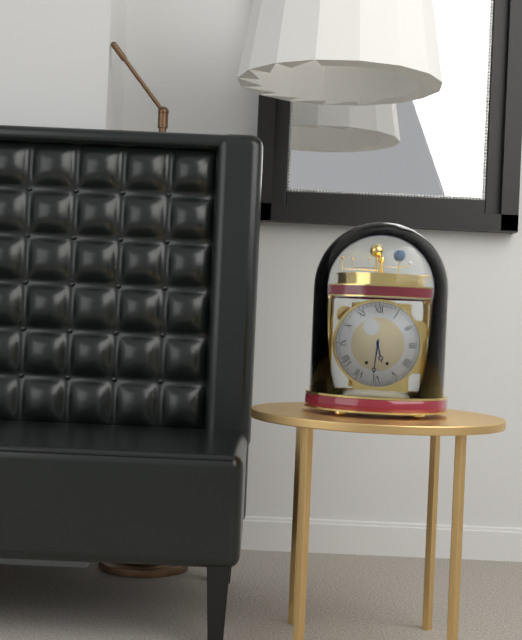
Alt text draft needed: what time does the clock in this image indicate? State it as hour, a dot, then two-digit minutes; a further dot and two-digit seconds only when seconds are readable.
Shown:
5.31
